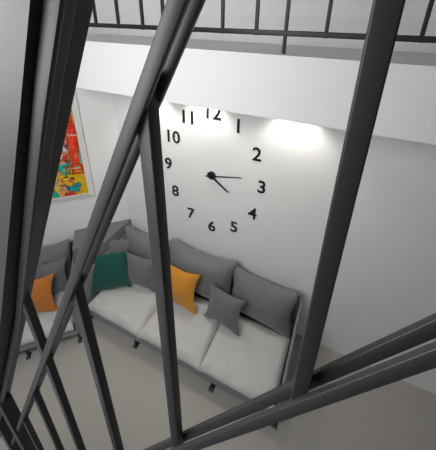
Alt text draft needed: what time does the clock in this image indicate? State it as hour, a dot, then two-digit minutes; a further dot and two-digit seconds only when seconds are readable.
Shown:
4.13
